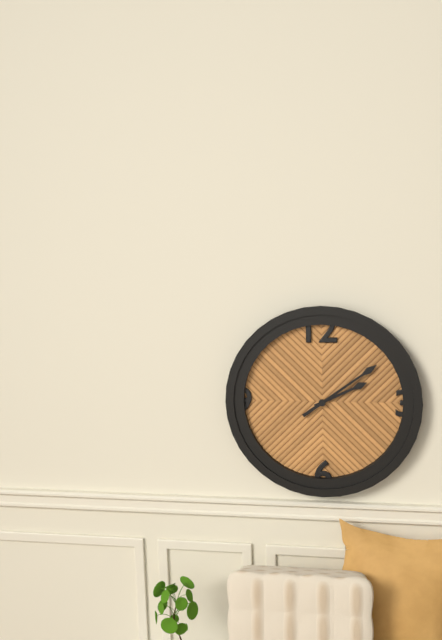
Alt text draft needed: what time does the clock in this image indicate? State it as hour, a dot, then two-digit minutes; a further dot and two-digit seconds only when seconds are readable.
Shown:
2.09
